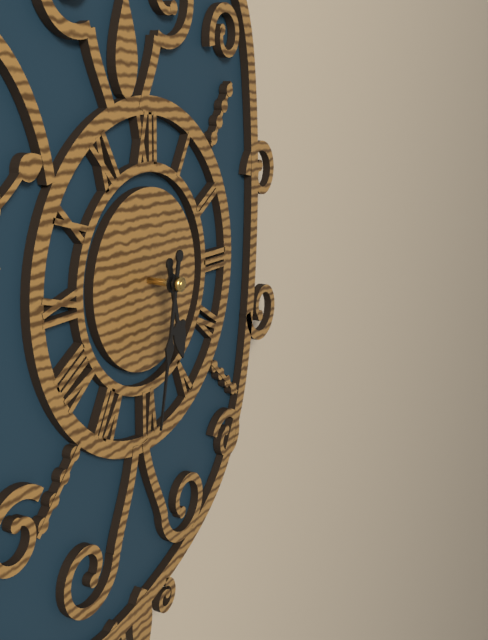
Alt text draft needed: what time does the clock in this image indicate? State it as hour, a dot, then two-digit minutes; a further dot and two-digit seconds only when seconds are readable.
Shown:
5.32
